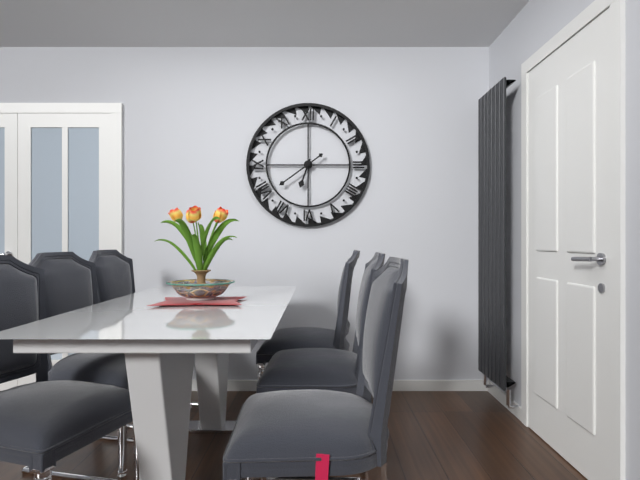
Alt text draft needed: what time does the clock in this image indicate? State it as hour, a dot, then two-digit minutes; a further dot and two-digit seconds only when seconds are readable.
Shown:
6.39
